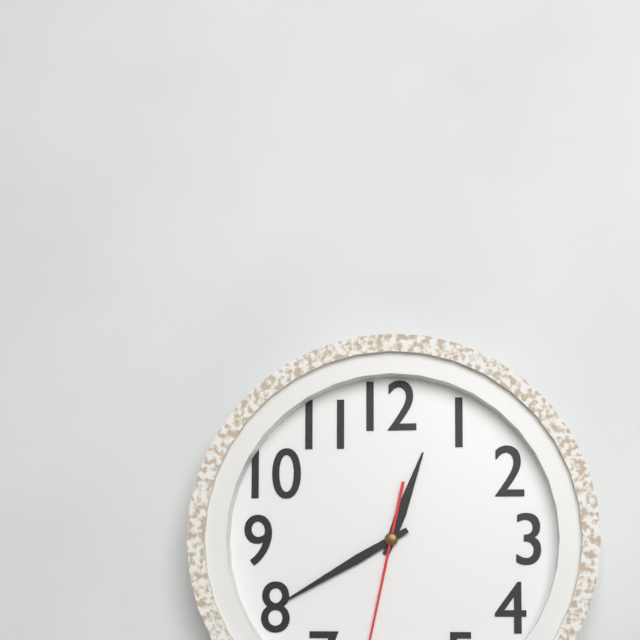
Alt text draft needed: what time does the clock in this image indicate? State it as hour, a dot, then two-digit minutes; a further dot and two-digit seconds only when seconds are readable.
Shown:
12.40
